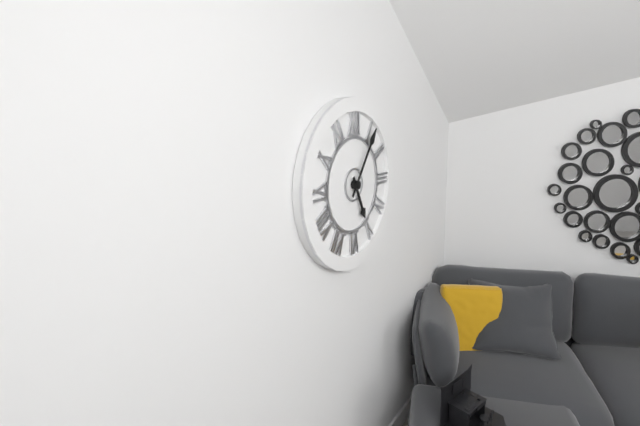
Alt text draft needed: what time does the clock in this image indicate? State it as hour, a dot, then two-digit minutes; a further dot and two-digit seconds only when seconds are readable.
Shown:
5.06
